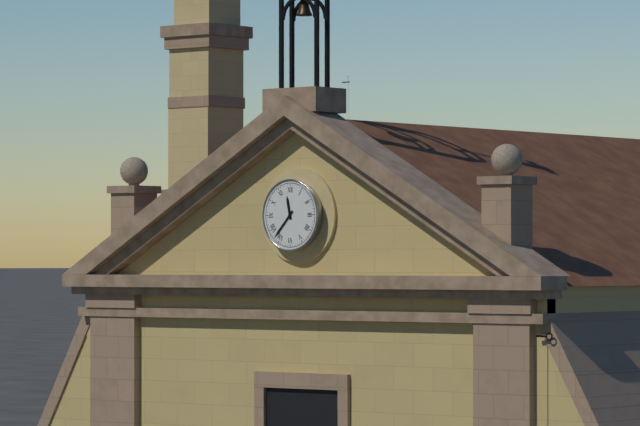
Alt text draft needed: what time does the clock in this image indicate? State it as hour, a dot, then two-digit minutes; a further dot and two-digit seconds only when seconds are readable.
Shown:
11.37
